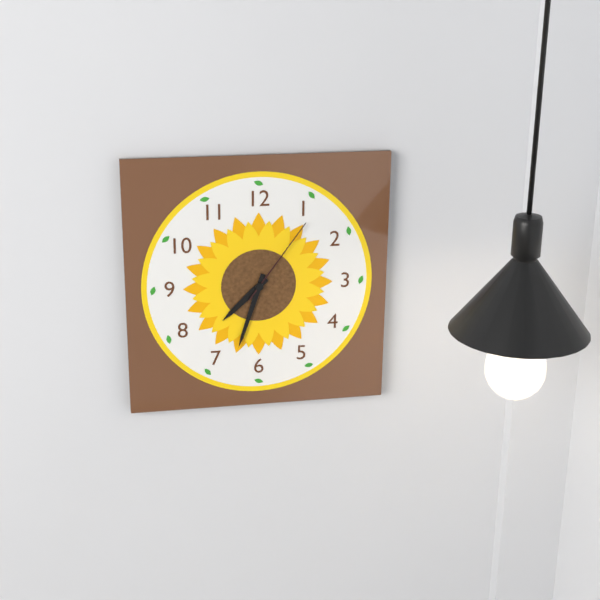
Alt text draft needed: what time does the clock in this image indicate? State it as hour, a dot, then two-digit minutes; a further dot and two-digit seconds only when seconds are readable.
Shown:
7.33.06
